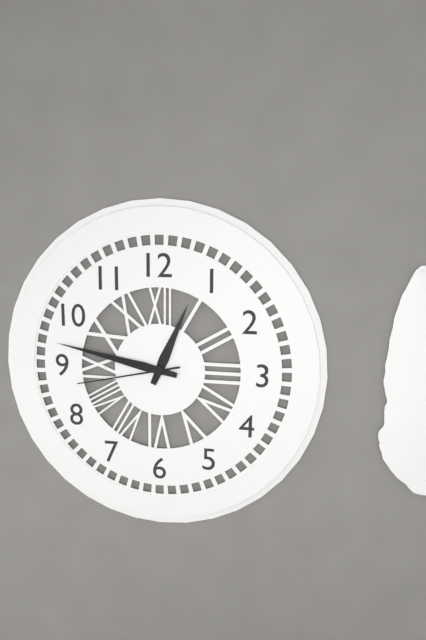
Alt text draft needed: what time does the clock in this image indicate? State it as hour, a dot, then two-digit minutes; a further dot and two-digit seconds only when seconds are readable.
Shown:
12.47.43
